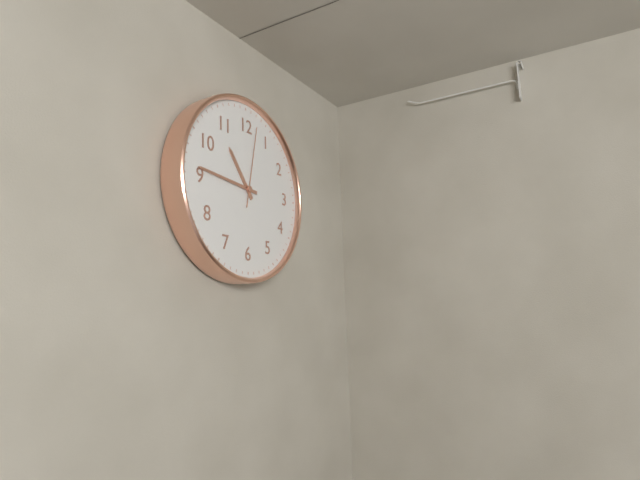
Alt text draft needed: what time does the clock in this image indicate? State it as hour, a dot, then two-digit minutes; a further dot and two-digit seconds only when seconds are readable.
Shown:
10.46.02
